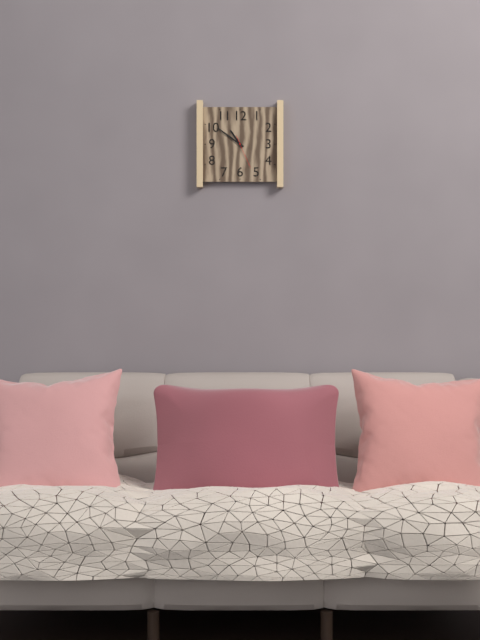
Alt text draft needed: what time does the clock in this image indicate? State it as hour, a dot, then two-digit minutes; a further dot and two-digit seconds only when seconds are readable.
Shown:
10.51
